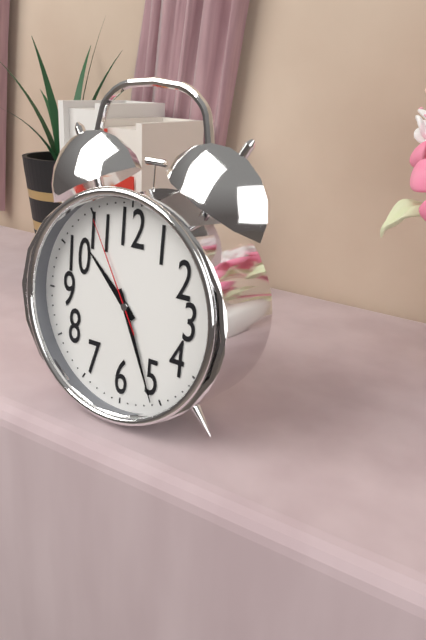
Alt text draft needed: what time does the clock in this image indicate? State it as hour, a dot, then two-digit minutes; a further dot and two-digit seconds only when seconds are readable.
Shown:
10.26.55
